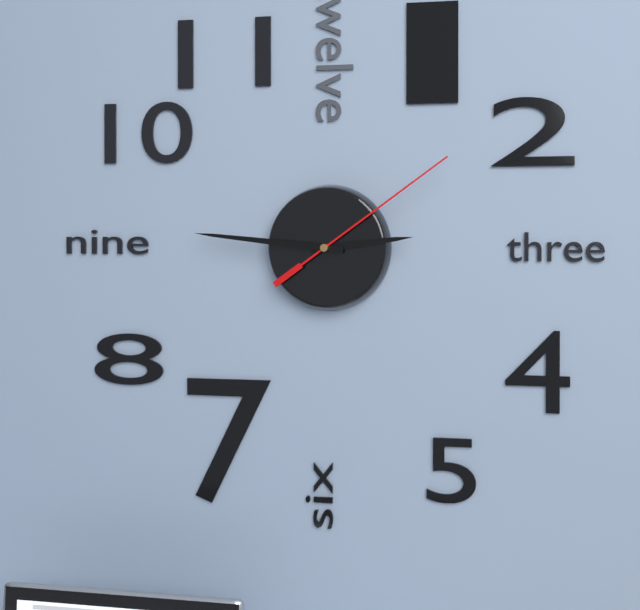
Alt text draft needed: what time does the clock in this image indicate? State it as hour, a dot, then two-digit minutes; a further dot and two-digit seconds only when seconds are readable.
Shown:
2.46.09
